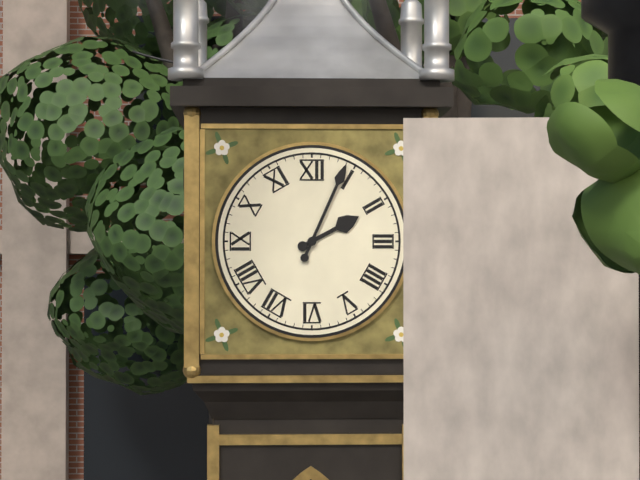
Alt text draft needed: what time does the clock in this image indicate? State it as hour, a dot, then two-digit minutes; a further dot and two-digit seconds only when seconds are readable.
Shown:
2.04
